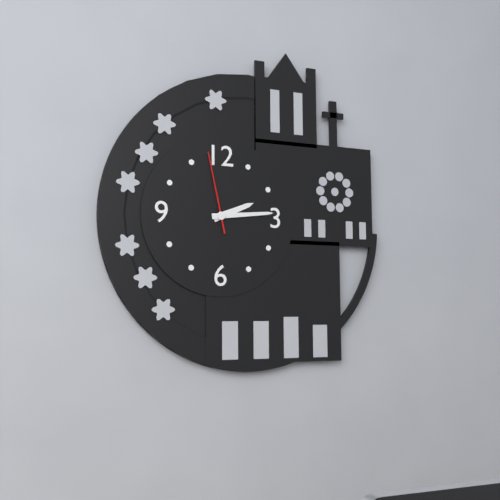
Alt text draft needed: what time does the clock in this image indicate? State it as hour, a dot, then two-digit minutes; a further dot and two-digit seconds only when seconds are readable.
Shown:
2.14.58
